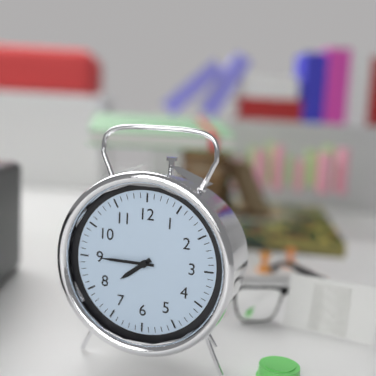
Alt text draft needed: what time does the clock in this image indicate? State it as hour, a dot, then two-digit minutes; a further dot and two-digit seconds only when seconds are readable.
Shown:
7.45
